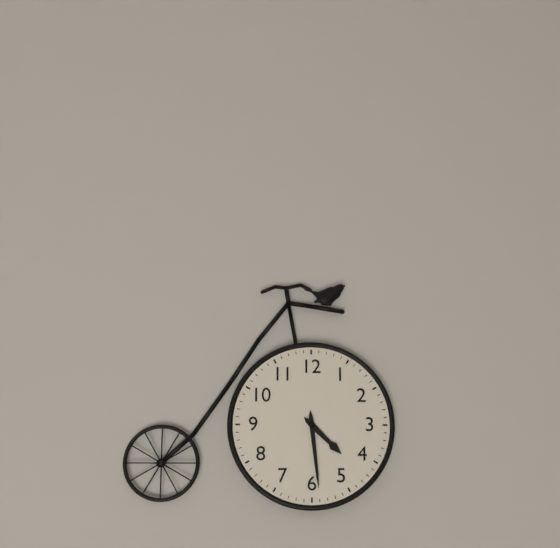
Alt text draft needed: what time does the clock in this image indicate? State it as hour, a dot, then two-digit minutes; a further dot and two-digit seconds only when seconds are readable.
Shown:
4.29
